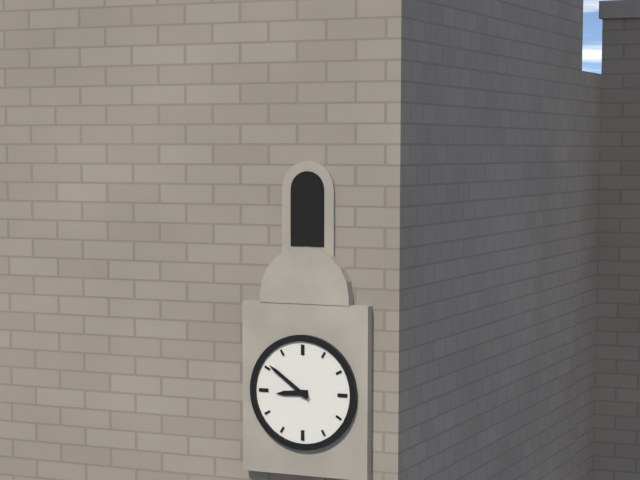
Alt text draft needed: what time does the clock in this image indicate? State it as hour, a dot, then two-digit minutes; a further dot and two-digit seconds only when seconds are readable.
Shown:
8.51
